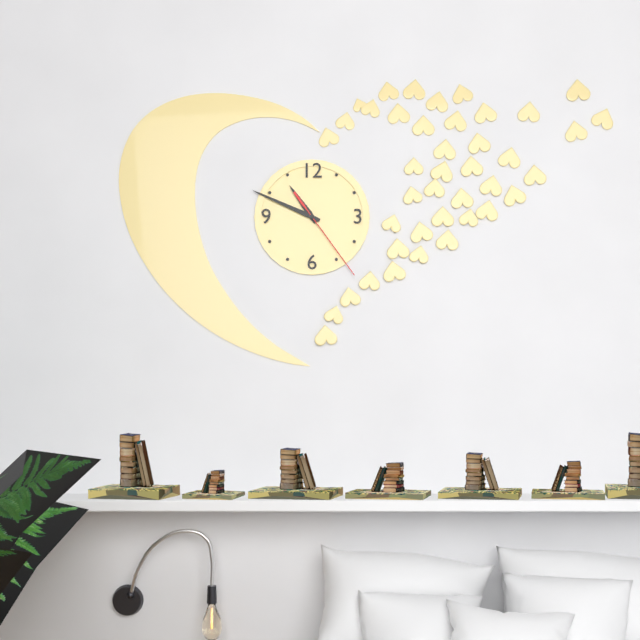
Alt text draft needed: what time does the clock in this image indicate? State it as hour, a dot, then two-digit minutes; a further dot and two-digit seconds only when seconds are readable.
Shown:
10.49.24
